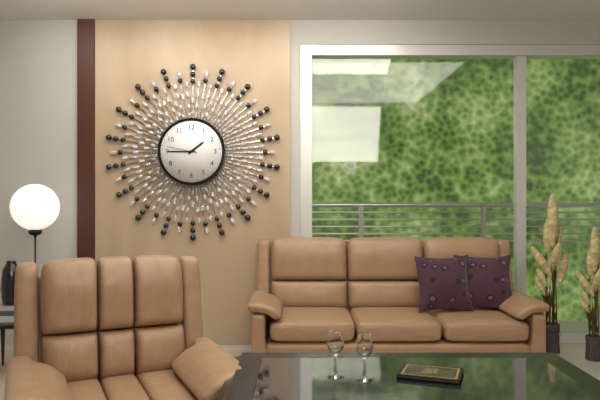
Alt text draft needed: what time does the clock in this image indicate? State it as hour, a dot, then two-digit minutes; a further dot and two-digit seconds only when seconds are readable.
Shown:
1.45
